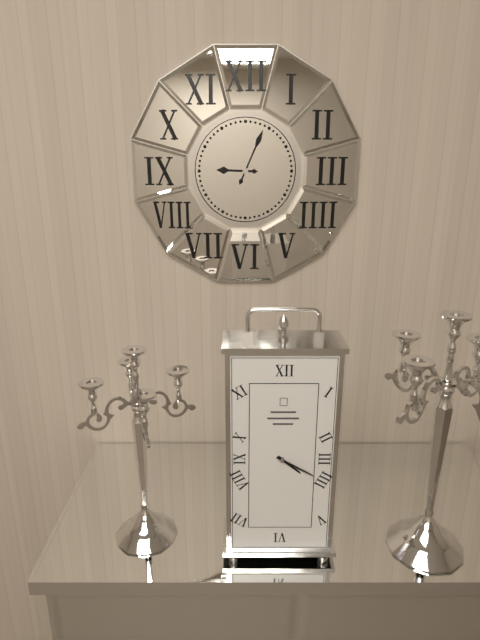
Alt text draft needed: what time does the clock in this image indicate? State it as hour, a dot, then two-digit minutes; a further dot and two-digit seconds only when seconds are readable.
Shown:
9.04
